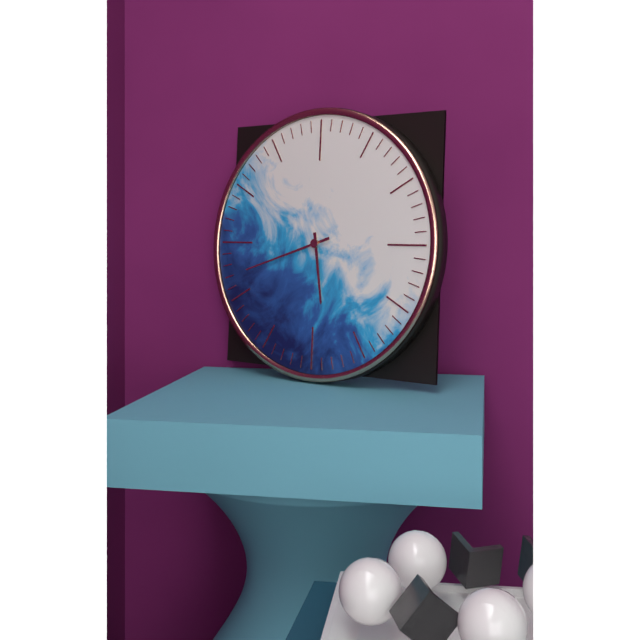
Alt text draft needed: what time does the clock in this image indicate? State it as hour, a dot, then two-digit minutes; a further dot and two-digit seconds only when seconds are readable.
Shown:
5.42
